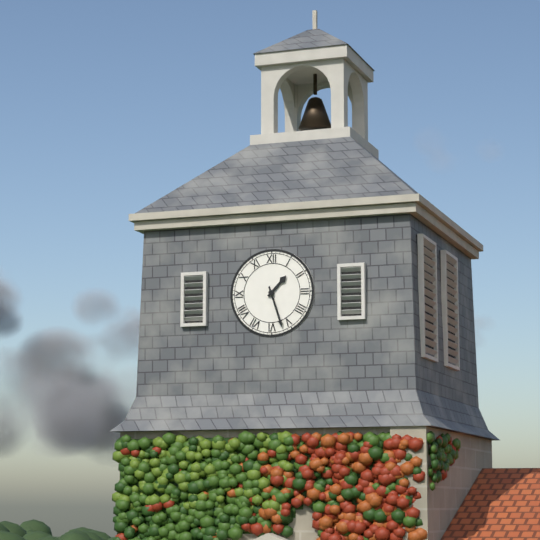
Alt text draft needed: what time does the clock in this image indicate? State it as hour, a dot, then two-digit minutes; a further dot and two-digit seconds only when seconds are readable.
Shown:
1.27
